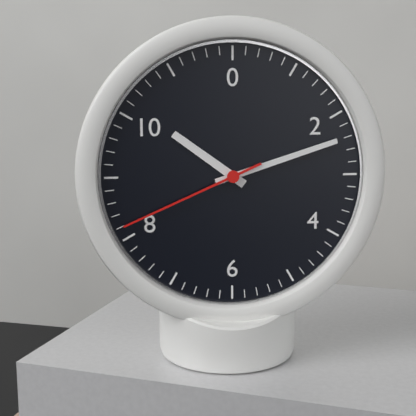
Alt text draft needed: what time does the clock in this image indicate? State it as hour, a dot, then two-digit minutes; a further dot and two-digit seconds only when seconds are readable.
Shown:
10.12.41
